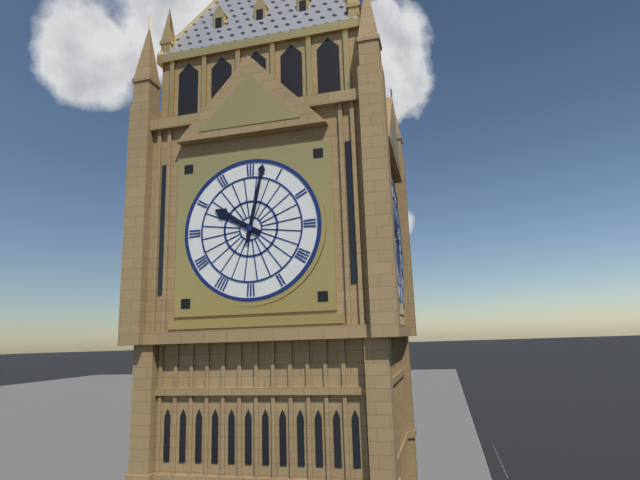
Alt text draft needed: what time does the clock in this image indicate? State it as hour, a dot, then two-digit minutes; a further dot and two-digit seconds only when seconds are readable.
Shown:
10.02
